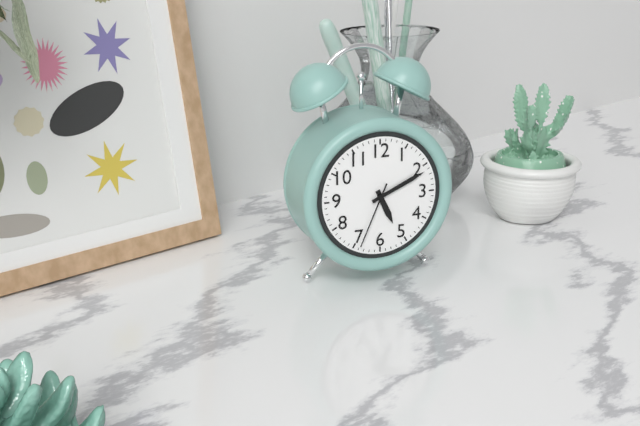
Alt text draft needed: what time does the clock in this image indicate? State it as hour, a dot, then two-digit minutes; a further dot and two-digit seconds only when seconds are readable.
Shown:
5.11.34
